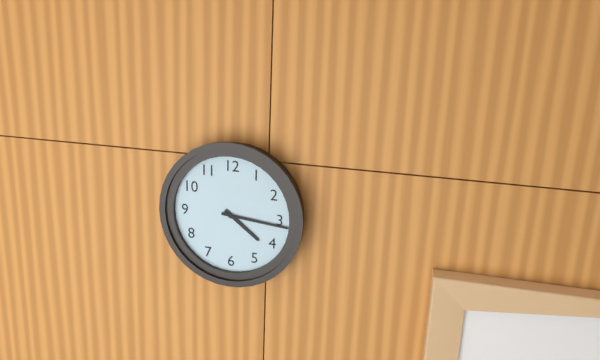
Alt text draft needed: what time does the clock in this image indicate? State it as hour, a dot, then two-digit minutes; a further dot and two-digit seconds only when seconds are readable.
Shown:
4.16
